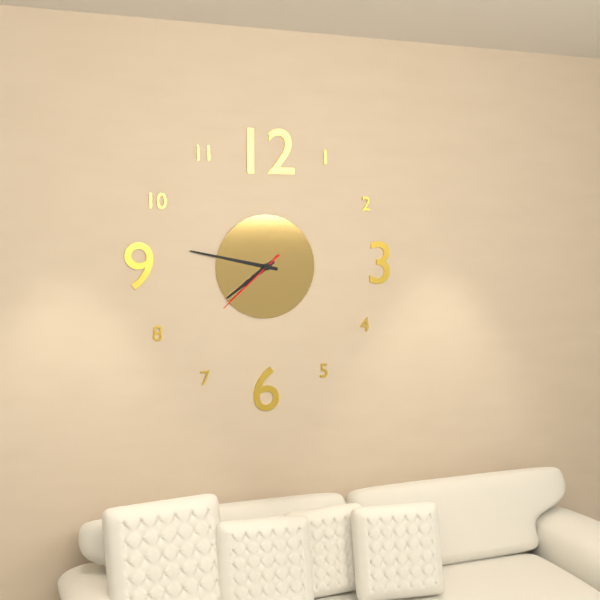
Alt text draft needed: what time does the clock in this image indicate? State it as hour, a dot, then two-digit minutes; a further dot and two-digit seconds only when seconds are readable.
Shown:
7.47.38
